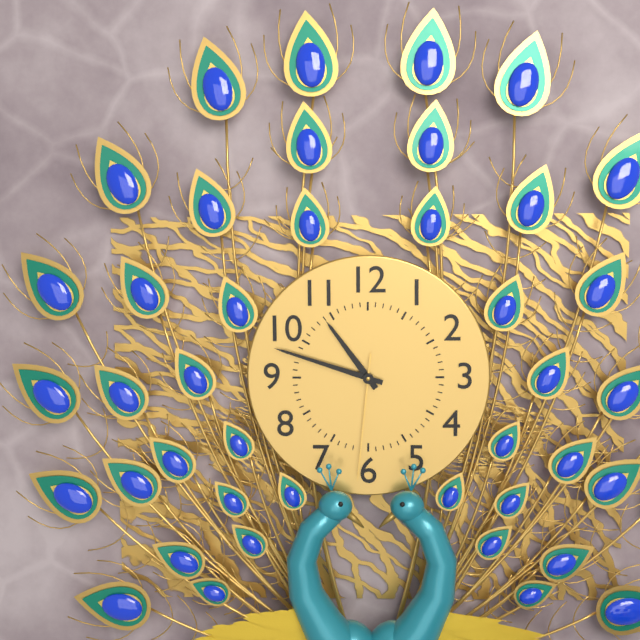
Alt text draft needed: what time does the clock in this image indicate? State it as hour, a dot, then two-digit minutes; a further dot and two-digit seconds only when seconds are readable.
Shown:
10.48.31
